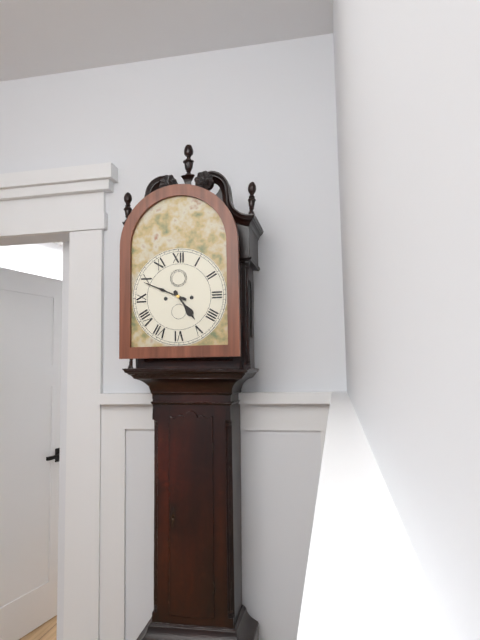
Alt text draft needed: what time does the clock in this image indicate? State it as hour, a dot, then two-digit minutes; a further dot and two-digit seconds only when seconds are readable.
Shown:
4.49
